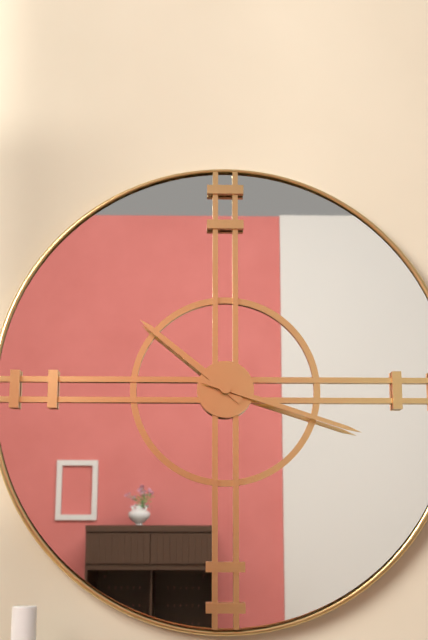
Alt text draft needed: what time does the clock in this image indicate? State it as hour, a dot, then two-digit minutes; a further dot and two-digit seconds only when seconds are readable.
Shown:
10.18
